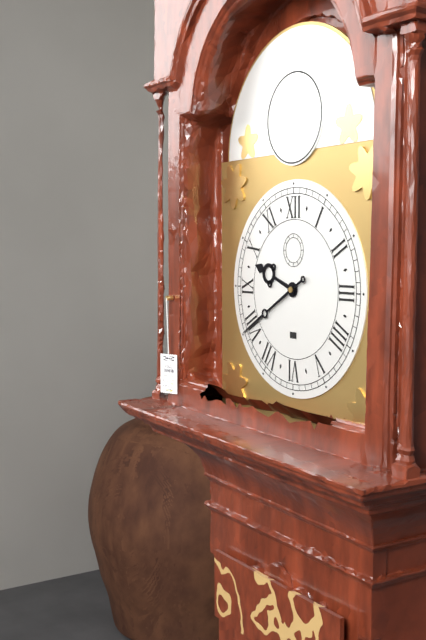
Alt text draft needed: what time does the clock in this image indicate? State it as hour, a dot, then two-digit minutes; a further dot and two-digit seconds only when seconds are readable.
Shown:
9.40
